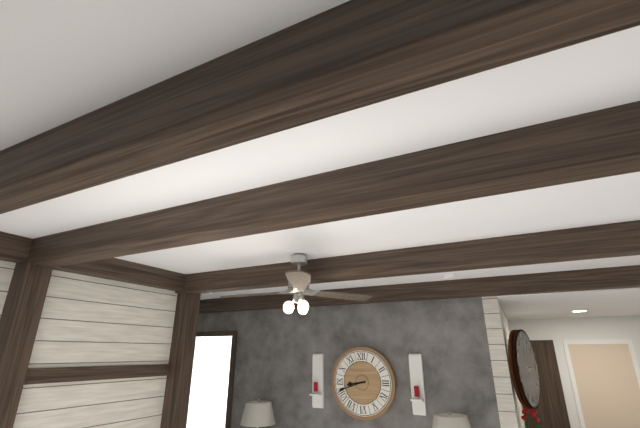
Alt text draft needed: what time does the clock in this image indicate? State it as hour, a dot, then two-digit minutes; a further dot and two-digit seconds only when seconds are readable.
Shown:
8.42
